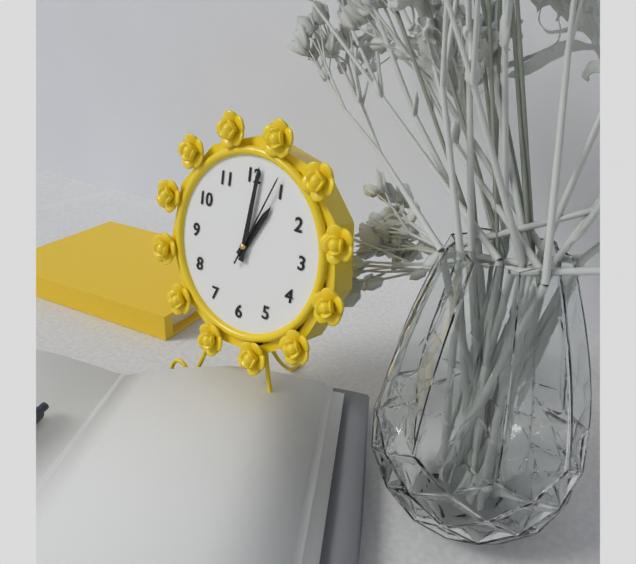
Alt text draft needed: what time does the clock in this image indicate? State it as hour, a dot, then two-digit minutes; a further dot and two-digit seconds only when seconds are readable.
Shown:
1.01.04
